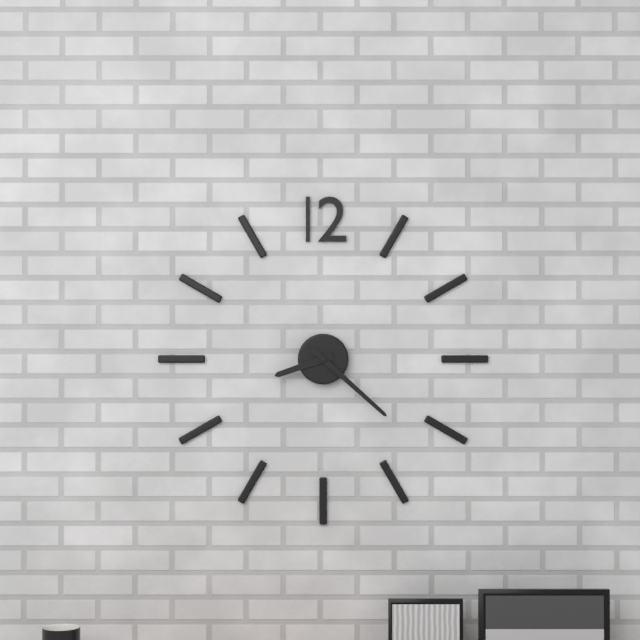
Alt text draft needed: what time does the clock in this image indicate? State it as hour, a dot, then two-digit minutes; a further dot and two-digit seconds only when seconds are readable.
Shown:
8.22
